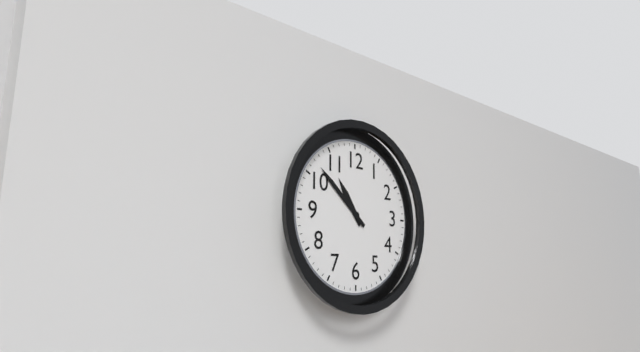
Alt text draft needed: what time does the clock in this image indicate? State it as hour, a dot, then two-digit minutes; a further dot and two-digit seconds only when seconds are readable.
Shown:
10.52
